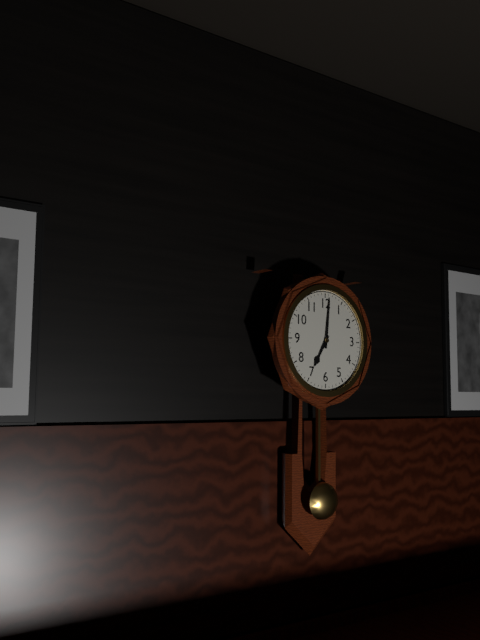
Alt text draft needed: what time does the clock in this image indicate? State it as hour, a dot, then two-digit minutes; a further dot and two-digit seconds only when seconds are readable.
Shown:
7.01
